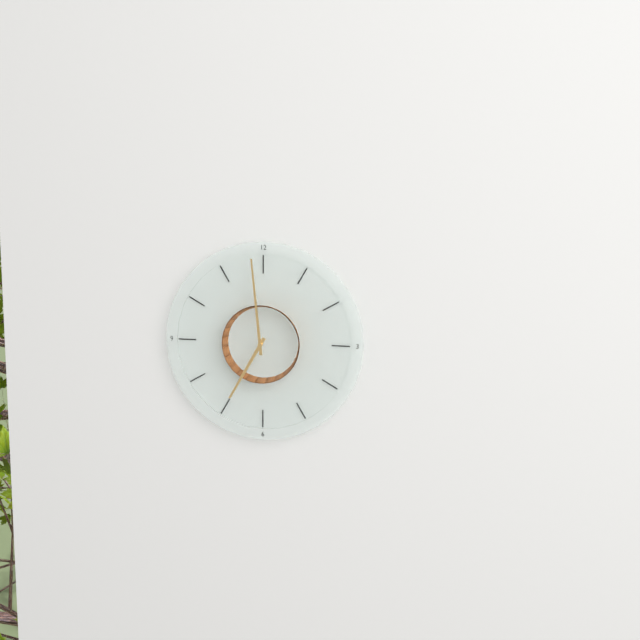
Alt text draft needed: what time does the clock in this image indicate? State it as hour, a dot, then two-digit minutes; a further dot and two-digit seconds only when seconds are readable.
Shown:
6.59
